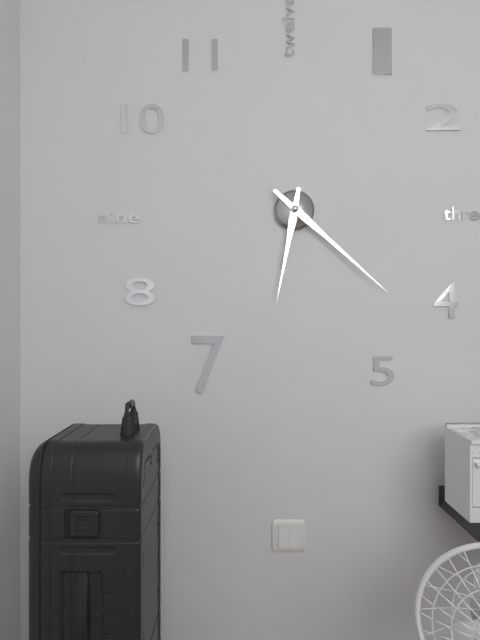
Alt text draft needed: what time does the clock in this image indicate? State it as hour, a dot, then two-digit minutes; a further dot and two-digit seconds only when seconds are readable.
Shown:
6.22
